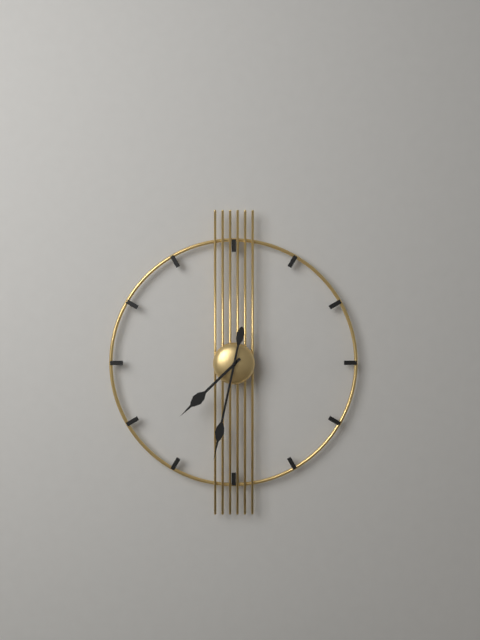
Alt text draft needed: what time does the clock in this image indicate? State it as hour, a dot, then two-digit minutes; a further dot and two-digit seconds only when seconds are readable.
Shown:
7.32
